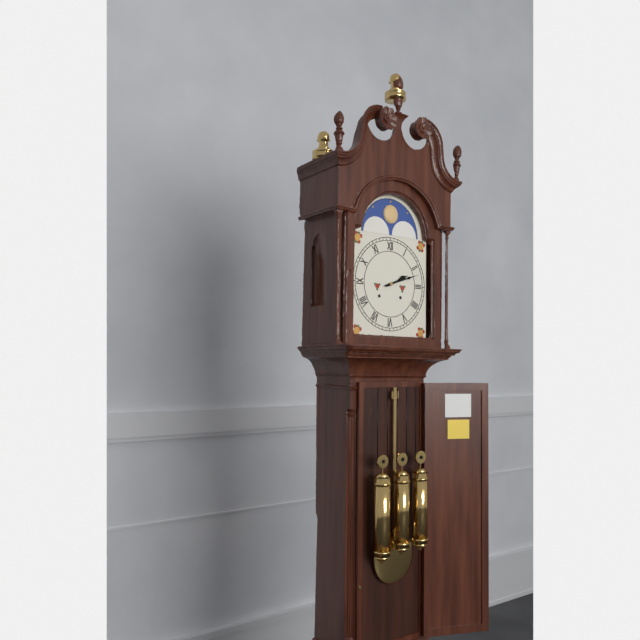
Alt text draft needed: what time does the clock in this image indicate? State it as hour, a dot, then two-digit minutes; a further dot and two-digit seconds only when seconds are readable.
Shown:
2.12
